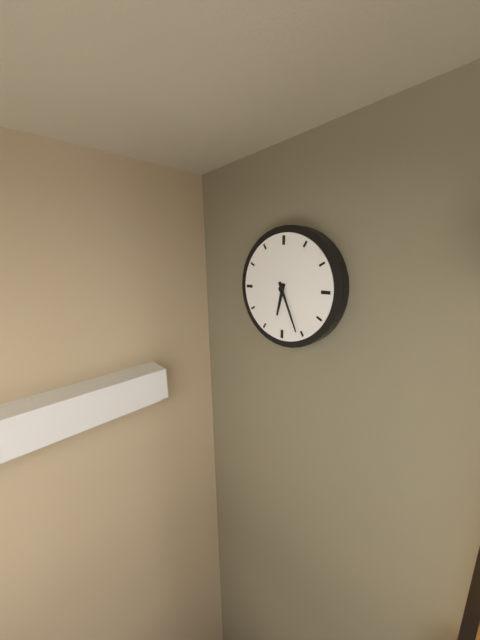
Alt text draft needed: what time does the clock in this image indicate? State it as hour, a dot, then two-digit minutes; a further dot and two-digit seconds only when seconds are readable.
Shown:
6.26
